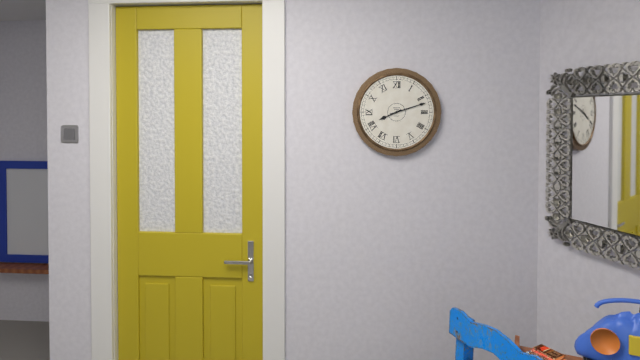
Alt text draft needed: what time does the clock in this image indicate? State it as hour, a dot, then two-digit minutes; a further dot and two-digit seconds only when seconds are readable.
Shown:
8.12
